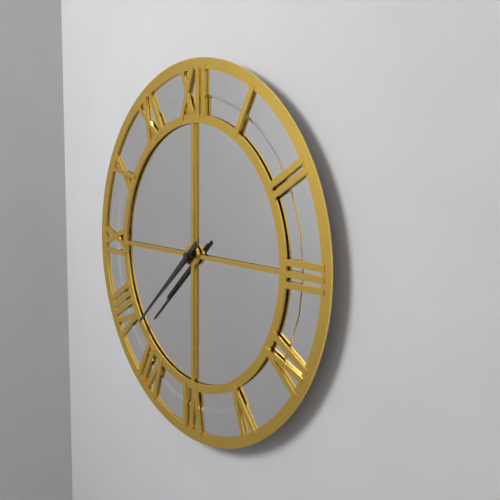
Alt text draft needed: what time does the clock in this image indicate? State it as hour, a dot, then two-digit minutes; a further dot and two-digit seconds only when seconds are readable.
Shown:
7.38
